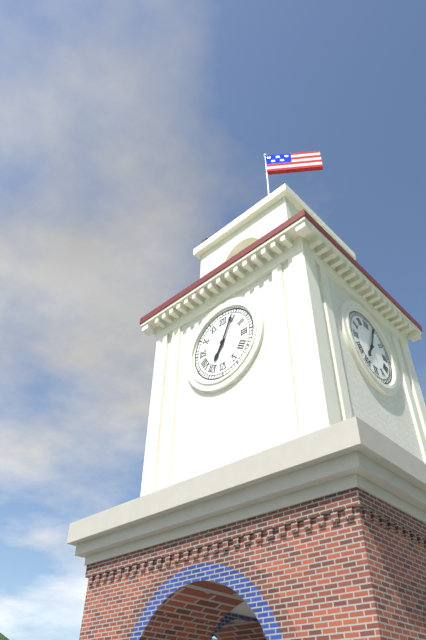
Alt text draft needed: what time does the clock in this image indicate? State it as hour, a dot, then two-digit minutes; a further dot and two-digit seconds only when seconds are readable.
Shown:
7.04
